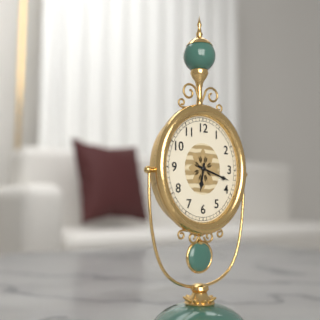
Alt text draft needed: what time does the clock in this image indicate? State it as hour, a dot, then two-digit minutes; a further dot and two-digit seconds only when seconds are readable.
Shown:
6.18
